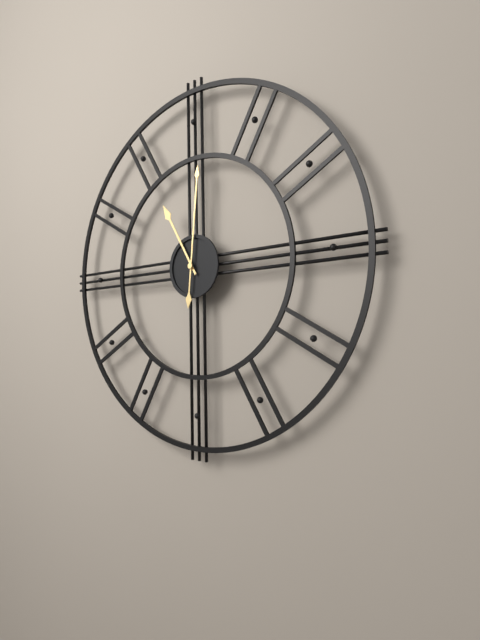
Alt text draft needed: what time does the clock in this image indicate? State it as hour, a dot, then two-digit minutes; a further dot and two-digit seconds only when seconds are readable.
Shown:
11.01
